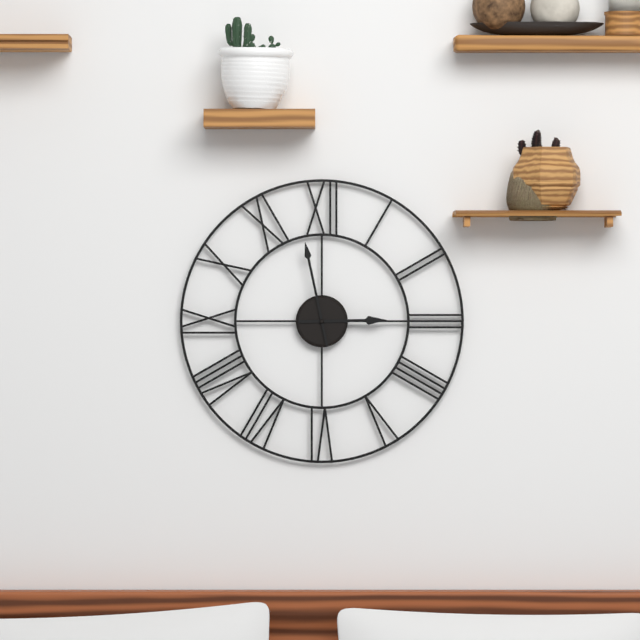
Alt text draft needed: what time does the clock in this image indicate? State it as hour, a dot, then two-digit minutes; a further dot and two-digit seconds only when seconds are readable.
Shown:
2.58
